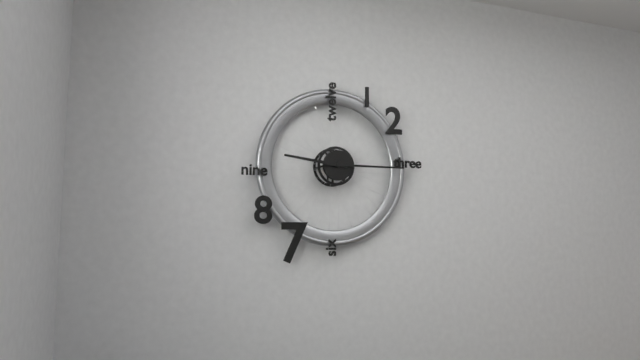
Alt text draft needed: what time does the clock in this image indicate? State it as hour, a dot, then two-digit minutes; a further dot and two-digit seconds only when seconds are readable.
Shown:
9.15
